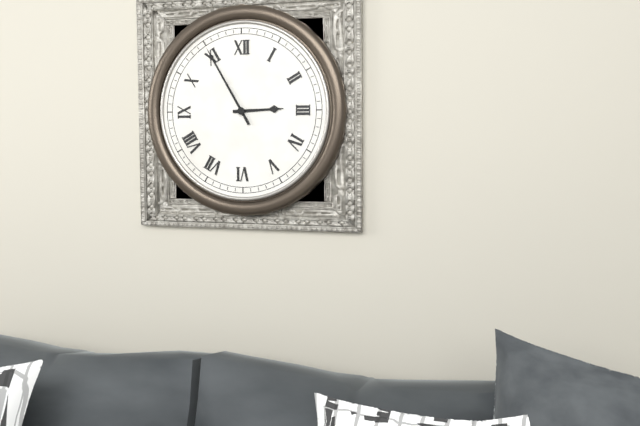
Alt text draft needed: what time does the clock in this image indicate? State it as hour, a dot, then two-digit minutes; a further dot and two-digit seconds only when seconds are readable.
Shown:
2.55
